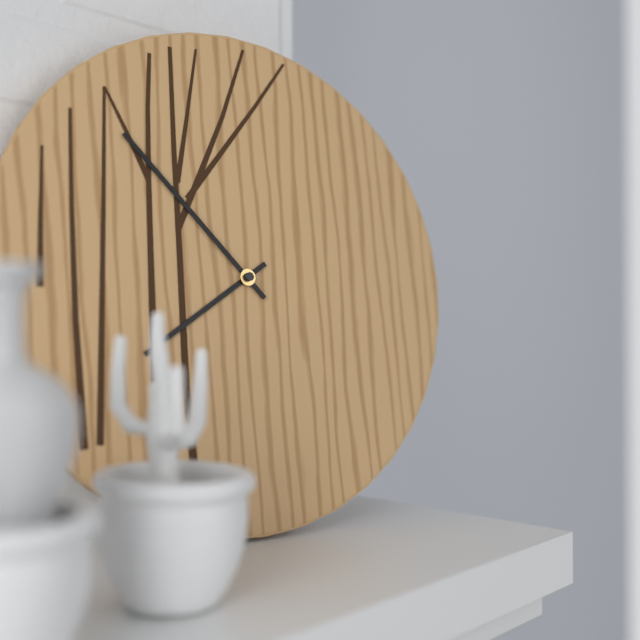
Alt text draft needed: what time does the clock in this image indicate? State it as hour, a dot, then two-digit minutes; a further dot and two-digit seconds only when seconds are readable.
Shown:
7.53
